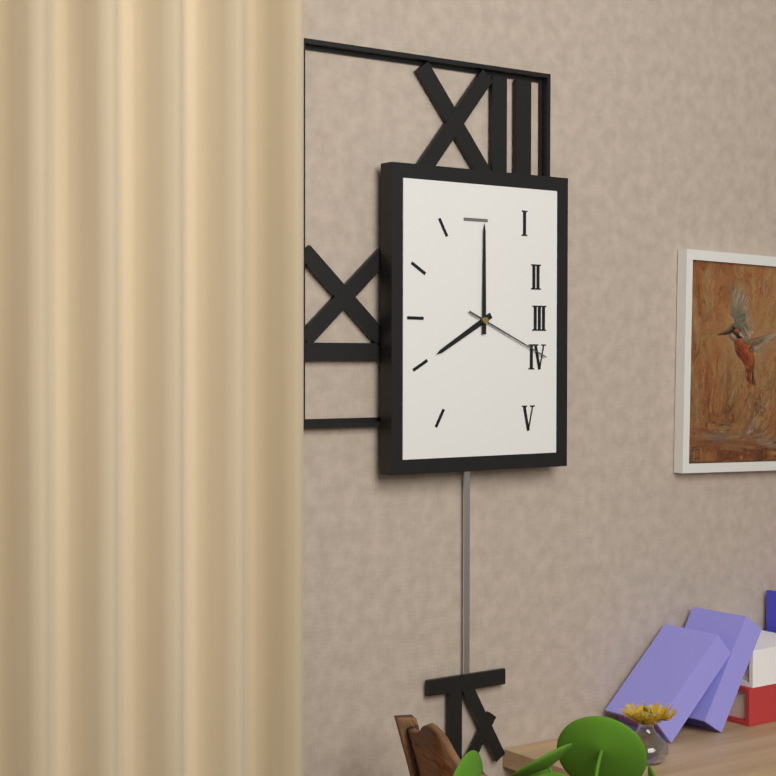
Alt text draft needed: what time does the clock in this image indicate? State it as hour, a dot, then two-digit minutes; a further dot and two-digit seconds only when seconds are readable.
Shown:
8.00.19
